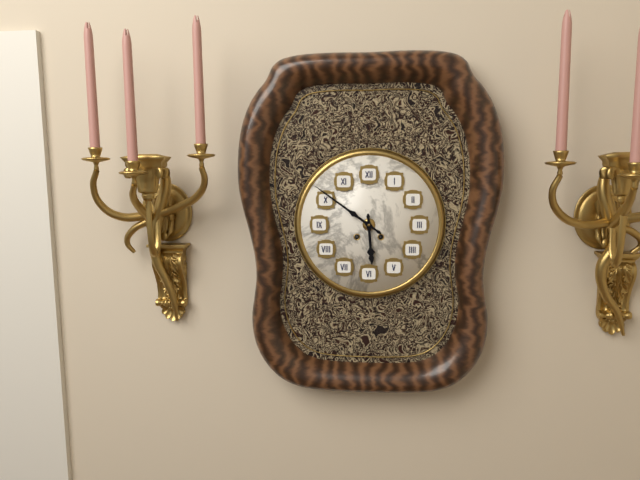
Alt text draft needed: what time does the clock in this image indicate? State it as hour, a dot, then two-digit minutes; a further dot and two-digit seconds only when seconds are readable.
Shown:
5.51
